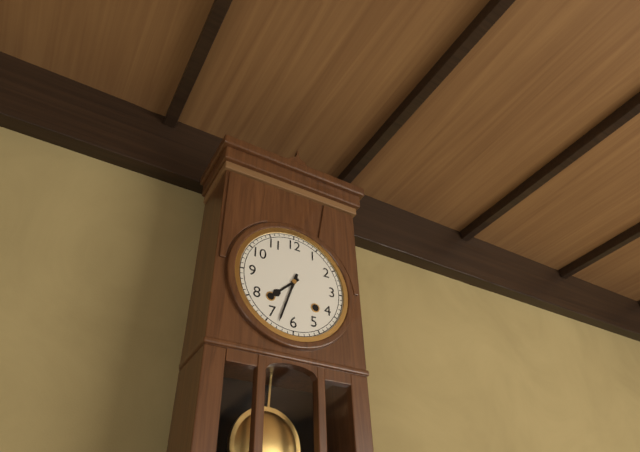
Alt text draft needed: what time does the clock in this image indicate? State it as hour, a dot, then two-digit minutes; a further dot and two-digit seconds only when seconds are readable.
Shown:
7.33
